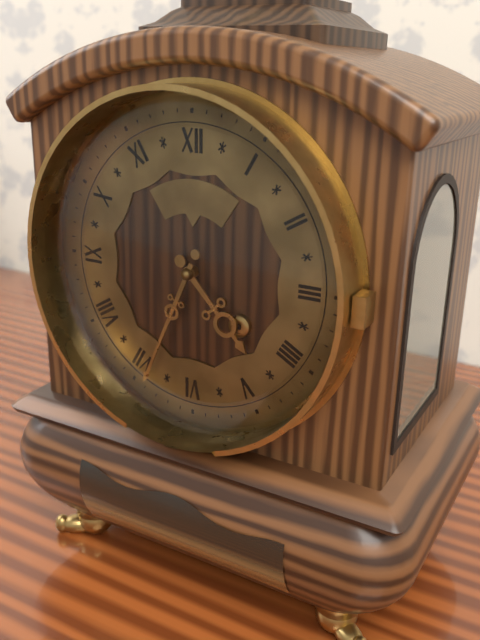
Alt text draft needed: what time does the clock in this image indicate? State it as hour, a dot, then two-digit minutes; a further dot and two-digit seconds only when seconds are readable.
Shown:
4.34
